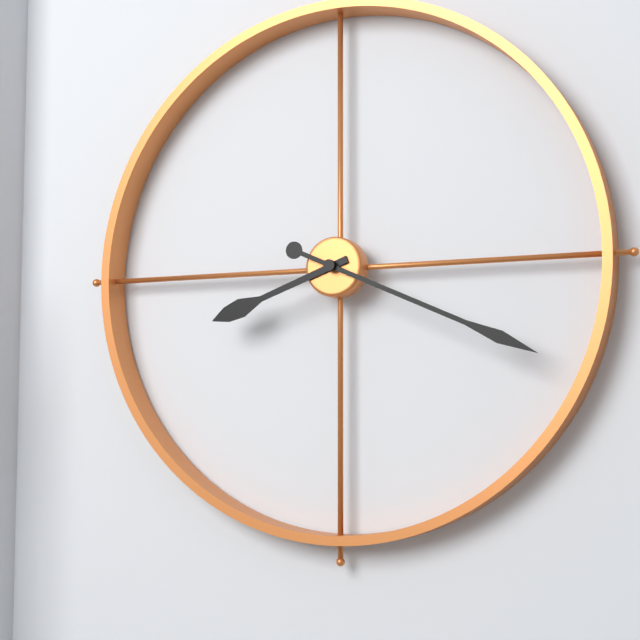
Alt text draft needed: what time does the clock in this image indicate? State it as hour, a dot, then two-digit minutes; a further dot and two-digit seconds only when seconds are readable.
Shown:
8.19
